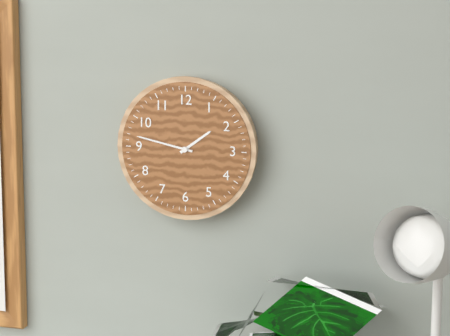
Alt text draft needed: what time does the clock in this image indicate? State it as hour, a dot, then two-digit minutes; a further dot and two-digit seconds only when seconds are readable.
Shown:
1.47
